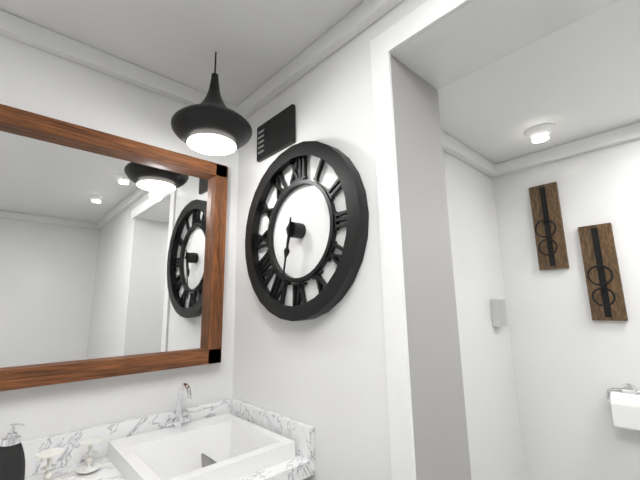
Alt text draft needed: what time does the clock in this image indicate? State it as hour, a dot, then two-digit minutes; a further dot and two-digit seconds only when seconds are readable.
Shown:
6.32
